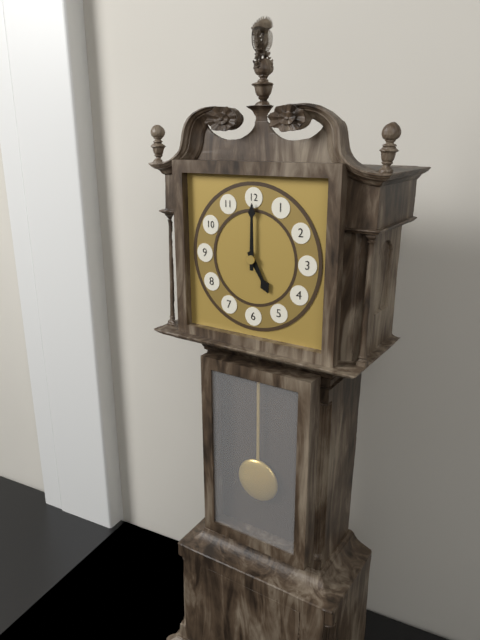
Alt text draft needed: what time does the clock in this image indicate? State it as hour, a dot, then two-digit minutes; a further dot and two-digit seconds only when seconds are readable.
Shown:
5.00
